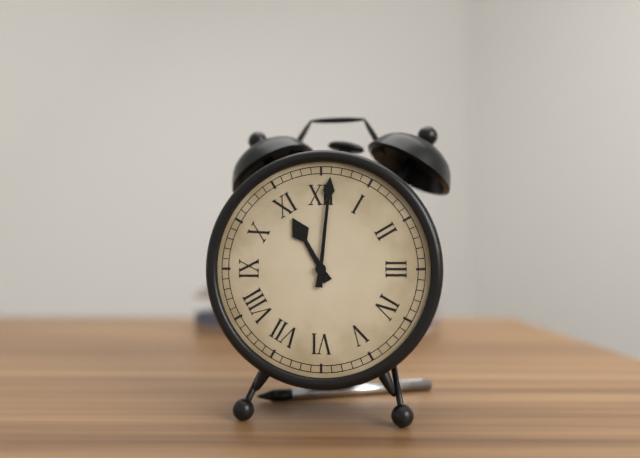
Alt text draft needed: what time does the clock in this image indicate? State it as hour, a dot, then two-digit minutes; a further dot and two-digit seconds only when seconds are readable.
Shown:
11.01
